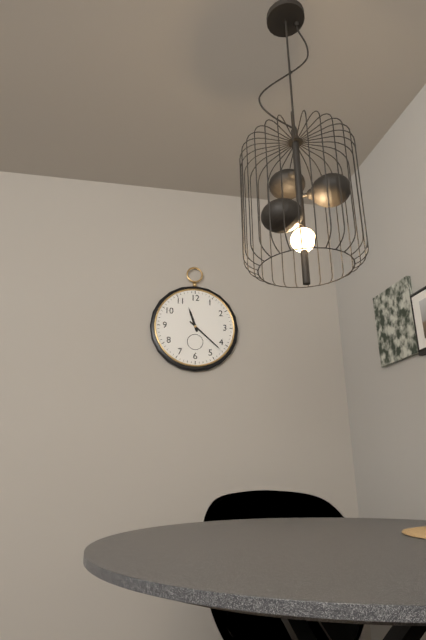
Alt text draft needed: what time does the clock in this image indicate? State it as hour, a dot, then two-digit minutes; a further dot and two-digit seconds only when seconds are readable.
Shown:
11.22
